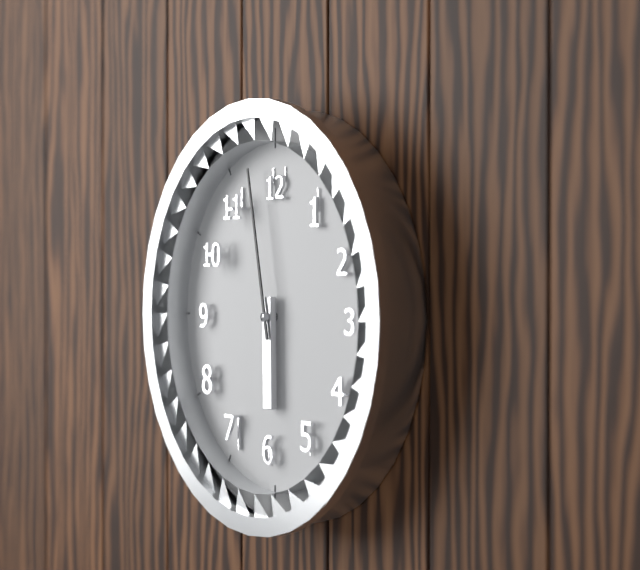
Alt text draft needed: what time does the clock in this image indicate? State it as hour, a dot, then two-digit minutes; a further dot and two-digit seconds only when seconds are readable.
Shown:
5.58
